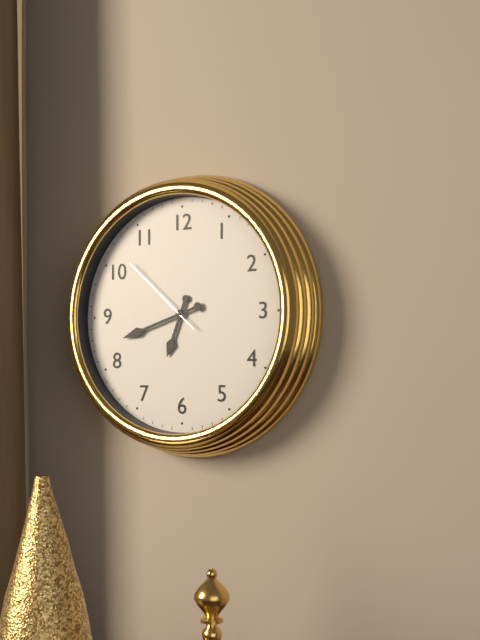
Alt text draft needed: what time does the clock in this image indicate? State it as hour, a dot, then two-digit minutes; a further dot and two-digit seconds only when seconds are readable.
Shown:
6.42.52
